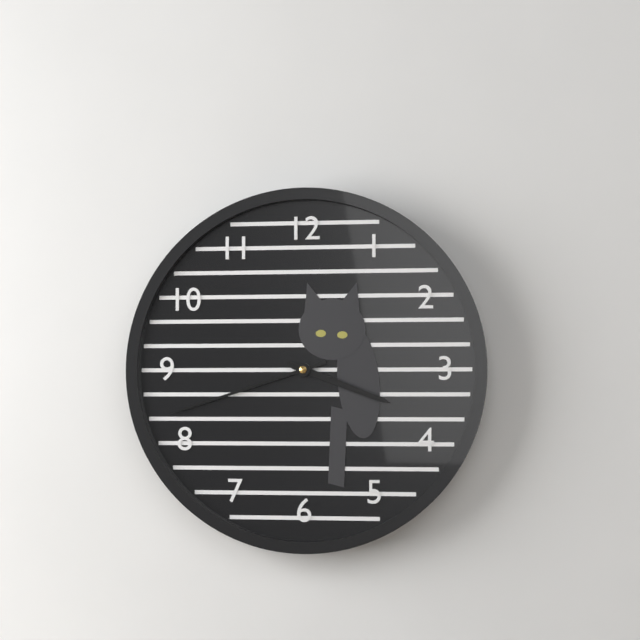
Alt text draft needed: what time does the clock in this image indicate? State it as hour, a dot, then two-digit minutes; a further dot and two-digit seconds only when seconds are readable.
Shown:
3.42
